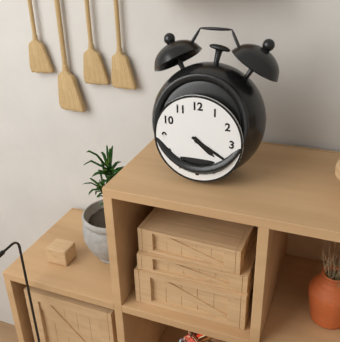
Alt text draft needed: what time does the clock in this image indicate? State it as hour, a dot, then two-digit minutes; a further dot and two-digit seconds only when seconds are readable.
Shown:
4.20
